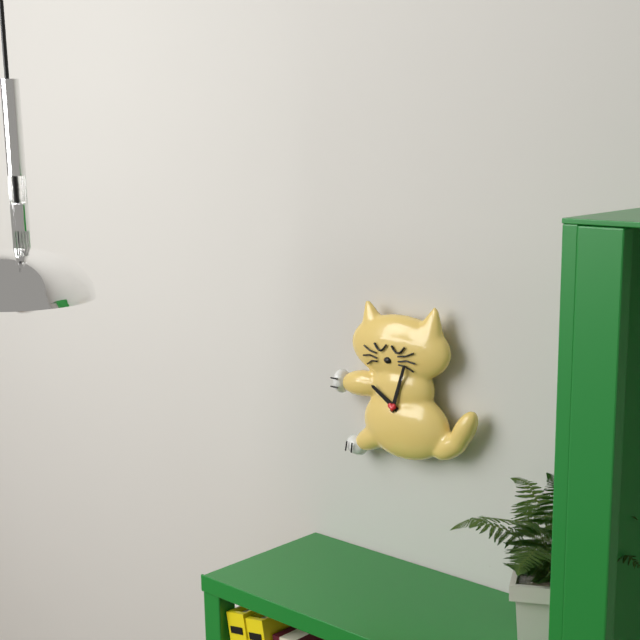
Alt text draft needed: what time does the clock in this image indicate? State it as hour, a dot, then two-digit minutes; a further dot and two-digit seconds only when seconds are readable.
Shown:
10.03
